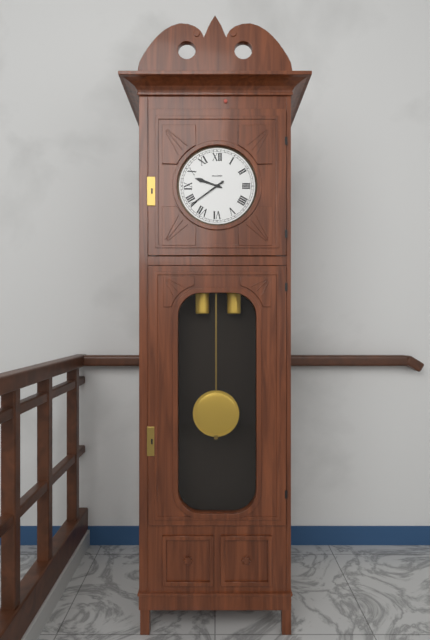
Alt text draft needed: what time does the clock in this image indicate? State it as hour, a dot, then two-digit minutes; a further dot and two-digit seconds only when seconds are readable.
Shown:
9.39
